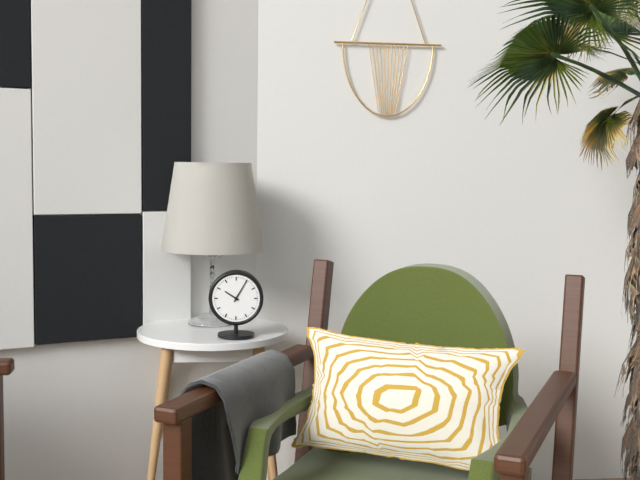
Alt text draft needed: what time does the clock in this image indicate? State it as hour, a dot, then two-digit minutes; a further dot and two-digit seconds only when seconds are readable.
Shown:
10.05
